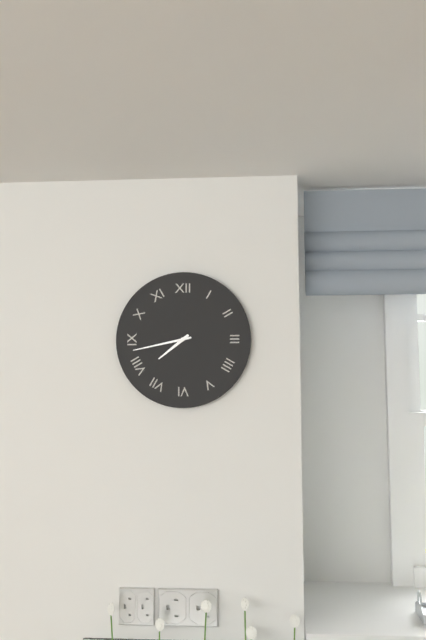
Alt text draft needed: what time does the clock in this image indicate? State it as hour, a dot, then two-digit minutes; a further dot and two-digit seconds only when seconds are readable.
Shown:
7.43
